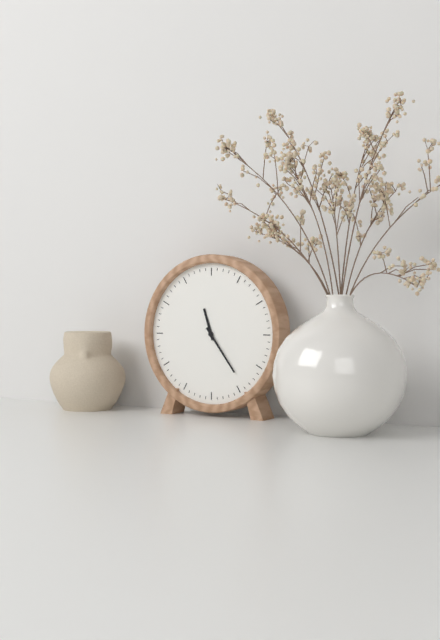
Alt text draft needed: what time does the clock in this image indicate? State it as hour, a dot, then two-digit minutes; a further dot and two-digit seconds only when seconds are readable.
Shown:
11.24
